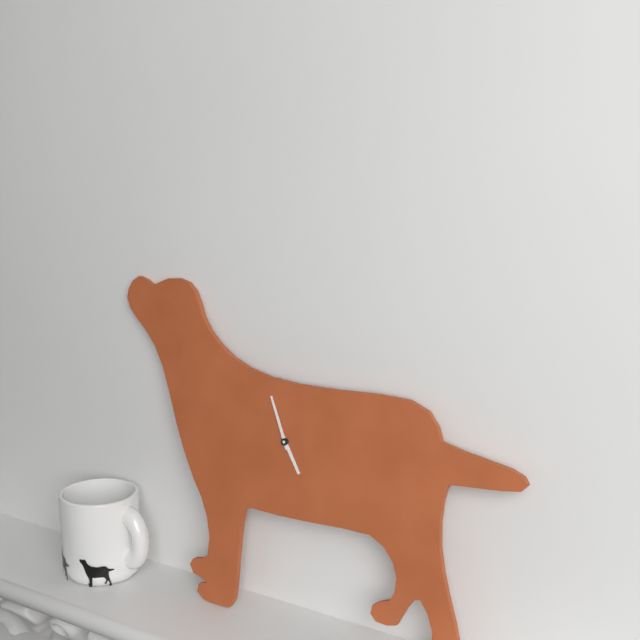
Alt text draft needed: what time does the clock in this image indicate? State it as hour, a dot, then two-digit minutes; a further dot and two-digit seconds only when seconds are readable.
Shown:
4.56
